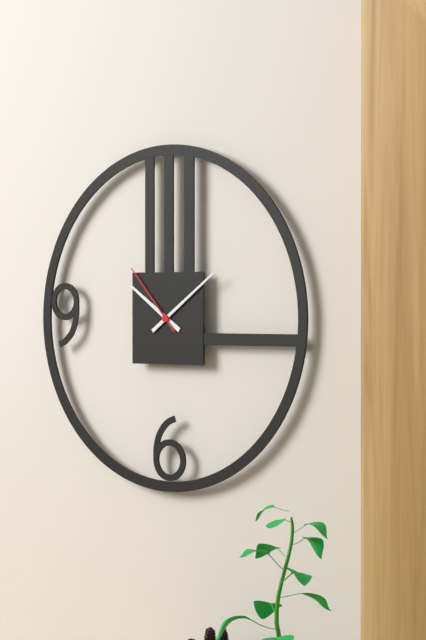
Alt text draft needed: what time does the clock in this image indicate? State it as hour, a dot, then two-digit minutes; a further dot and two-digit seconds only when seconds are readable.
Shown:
10.09.53
